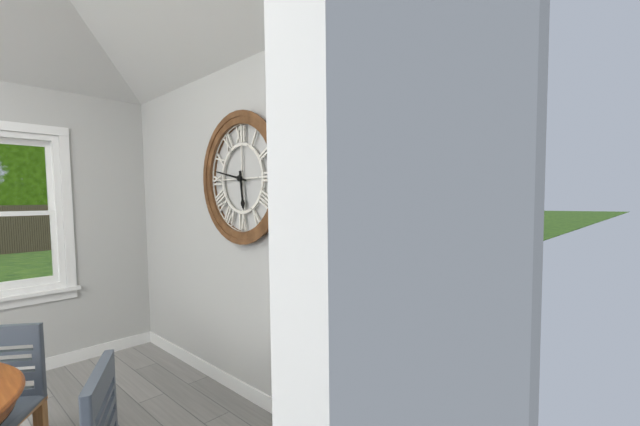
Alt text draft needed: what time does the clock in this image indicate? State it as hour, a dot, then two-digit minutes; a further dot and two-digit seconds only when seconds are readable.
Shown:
5.47
